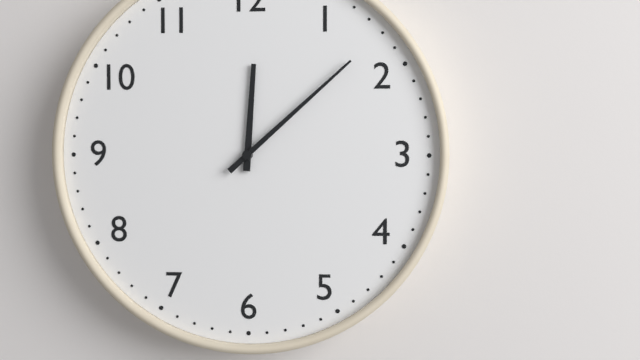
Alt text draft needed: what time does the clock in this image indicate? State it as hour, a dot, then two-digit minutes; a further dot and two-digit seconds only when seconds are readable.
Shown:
12.08
